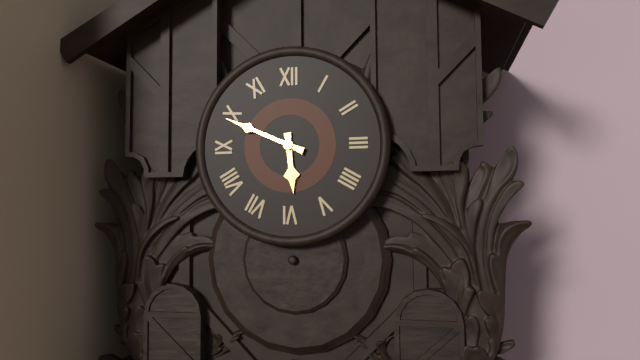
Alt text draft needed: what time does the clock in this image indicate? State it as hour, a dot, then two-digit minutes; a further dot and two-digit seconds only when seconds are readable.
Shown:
5.49
